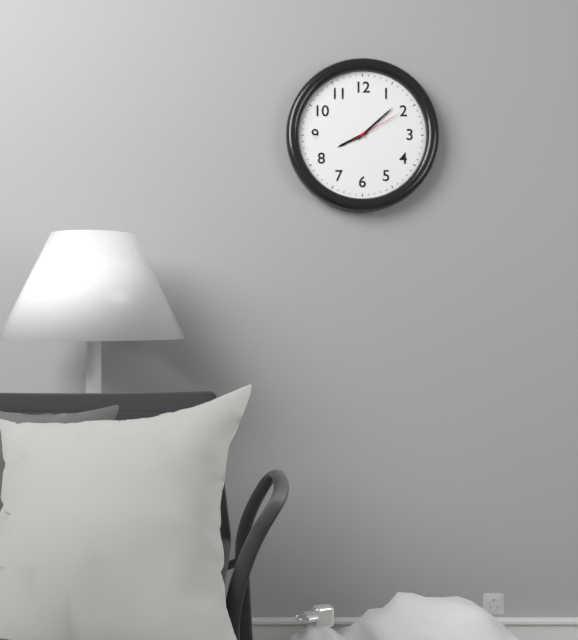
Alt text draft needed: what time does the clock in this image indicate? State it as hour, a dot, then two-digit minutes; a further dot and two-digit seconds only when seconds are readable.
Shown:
8.08.10
